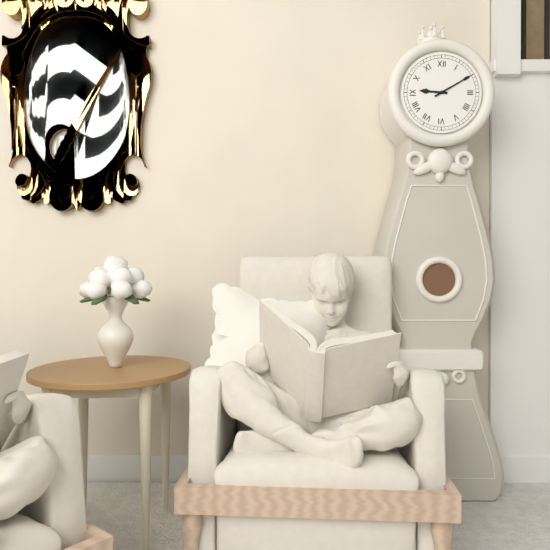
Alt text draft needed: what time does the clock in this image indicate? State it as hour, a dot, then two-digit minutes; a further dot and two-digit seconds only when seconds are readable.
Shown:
9.10
